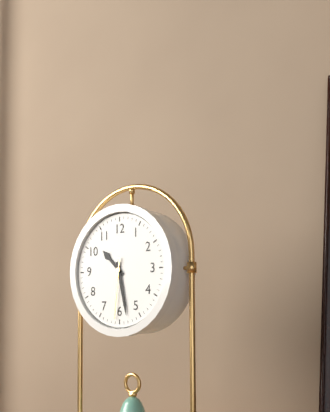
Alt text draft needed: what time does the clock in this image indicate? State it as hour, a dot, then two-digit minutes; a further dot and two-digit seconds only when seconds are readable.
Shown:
10.28.31
